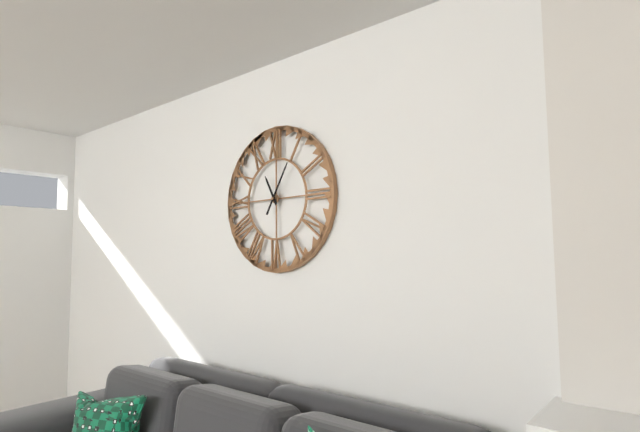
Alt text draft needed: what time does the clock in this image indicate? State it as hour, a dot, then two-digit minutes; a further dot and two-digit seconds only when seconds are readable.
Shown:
11.05
